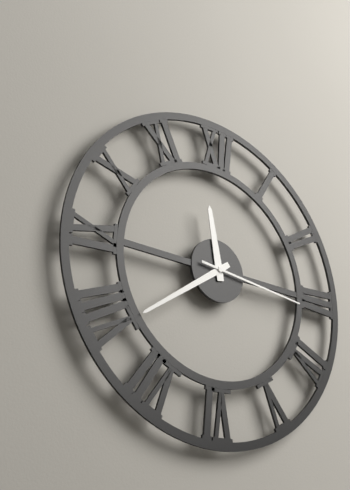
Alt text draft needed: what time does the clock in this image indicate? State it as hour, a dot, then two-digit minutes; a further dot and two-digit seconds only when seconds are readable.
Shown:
11.39.16
